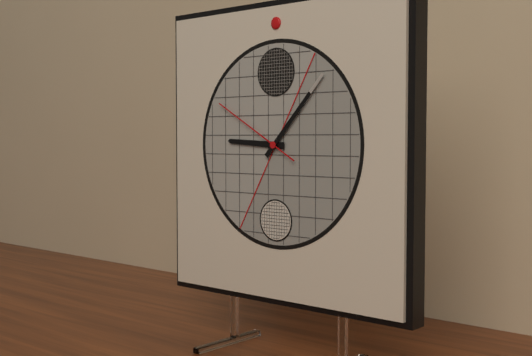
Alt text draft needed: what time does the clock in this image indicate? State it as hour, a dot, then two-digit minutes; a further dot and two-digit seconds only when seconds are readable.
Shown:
9.07.50
